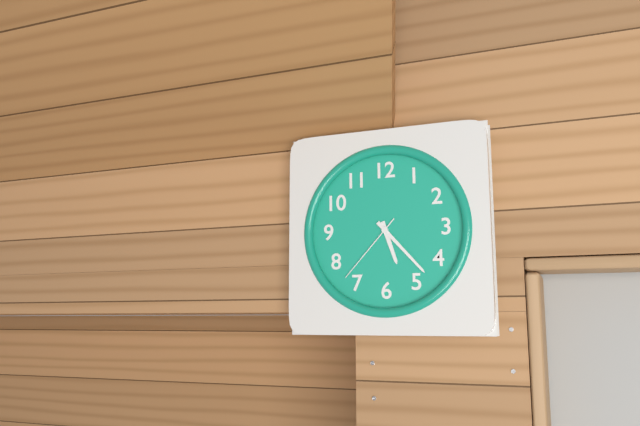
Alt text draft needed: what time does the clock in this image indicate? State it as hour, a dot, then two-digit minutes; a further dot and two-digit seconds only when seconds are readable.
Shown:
5.23.37
